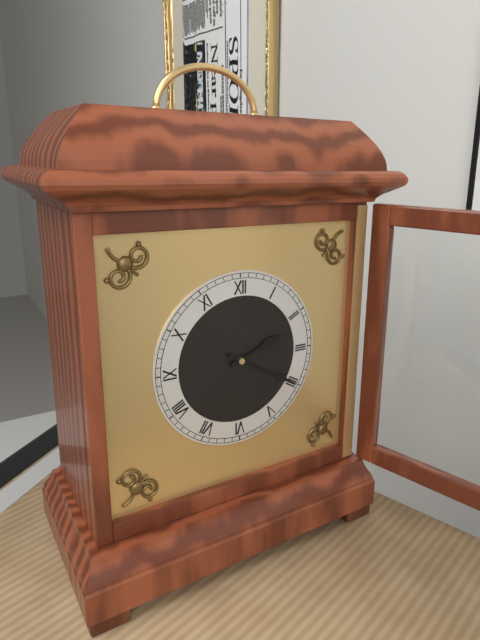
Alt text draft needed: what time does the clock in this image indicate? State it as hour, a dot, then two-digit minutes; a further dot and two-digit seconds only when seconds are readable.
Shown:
2.20
